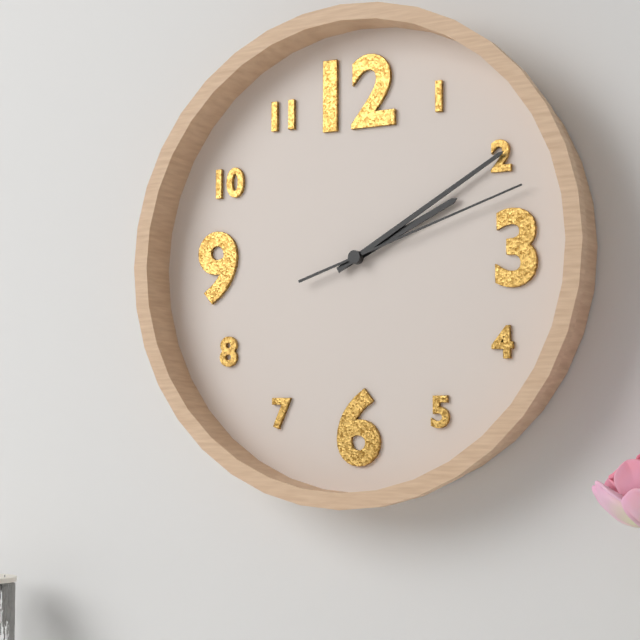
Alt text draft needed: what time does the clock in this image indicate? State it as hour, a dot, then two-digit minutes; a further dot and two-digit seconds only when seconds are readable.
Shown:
2.10.12
